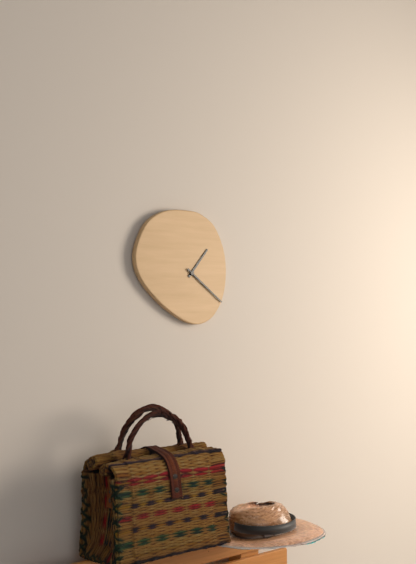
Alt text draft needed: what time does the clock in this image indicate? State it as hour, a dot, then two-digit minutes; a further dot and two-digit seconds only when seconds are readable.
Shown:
1.21
